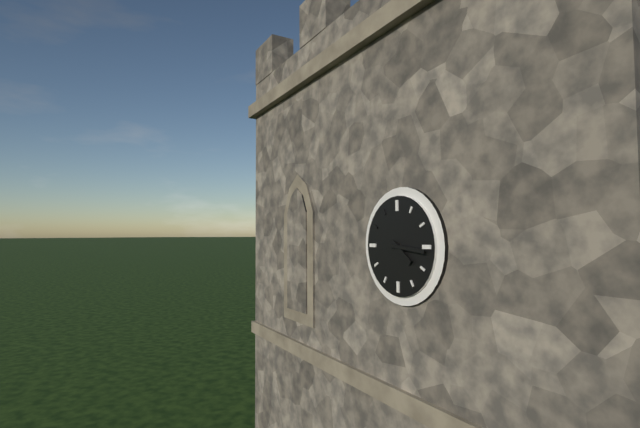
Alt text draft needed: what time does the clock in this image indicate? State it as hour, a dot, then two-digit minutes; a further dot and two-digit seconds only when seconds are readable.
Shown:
4.16
